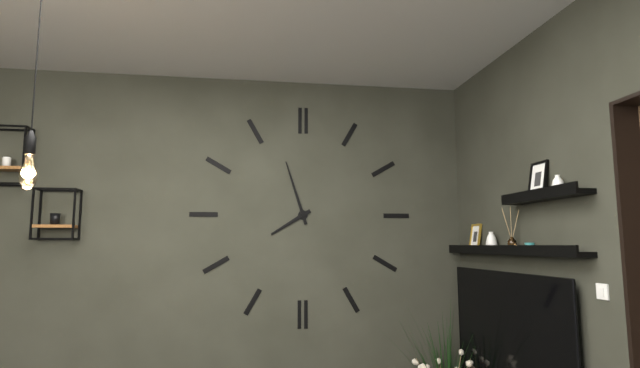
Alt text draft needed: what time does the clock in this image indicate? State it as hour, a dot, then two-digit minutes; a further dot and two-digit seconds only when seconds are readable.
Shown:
7.57
